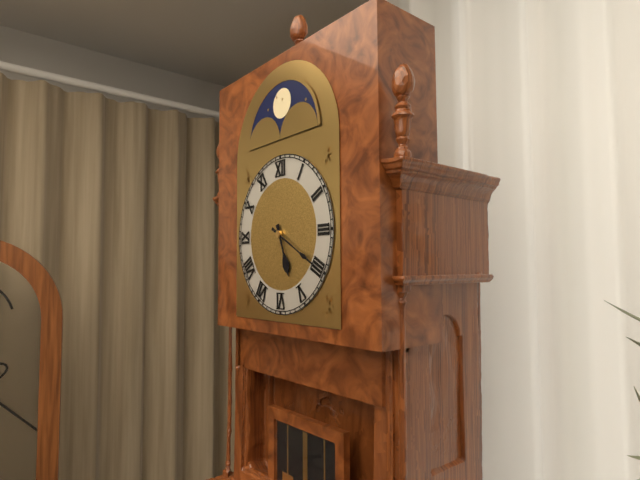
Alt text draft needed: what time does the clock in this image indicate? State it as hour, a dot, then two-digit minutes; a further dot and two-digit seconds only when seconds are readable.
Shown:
5.20
